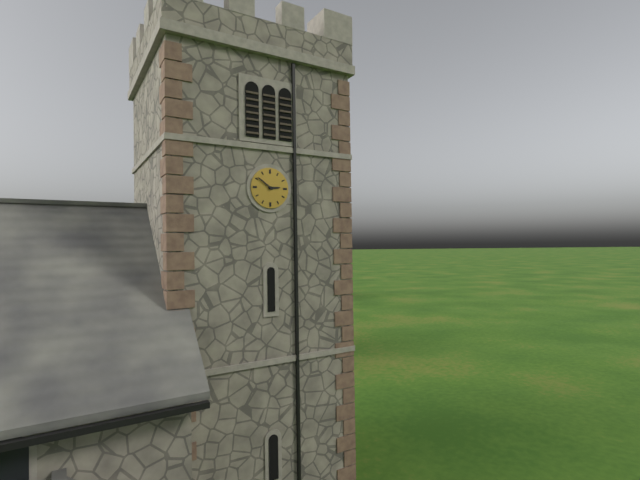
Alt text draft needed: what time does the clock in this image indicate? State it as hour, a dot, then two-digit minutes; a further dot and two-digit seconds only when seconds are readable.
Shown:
2.51
